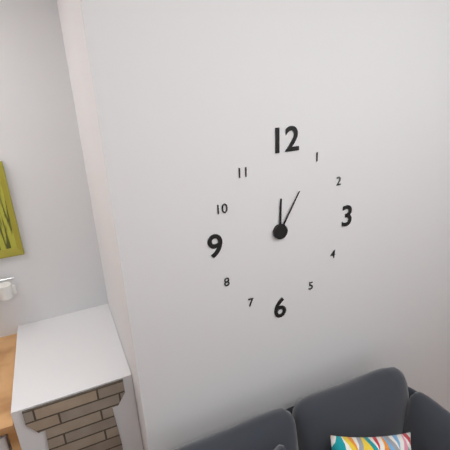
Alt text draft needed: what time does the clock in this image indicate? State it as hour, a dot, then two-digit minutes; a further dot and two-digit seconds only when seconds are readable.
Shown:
12.05
